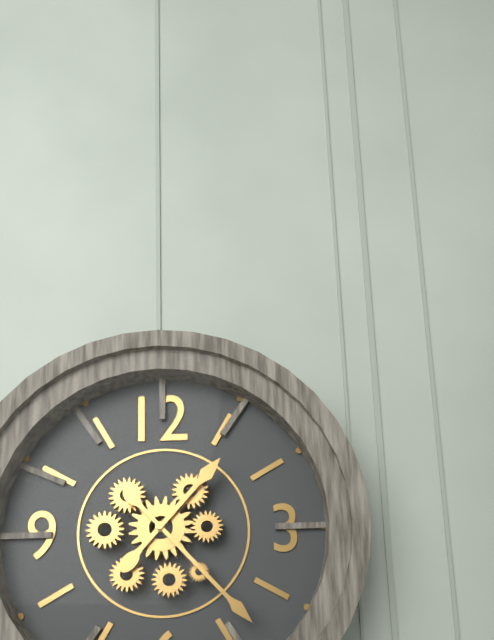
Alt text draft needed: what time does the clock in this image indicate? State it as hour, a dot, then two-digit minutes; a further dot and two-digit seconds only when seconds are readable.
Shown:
1.23
